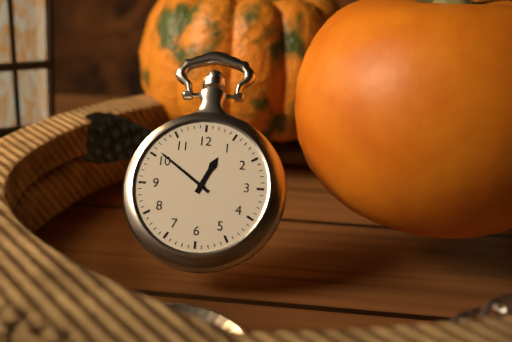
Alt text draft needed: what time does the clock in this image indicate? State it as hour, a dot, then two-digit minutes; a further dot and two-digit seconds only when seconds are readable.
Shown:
12.51
